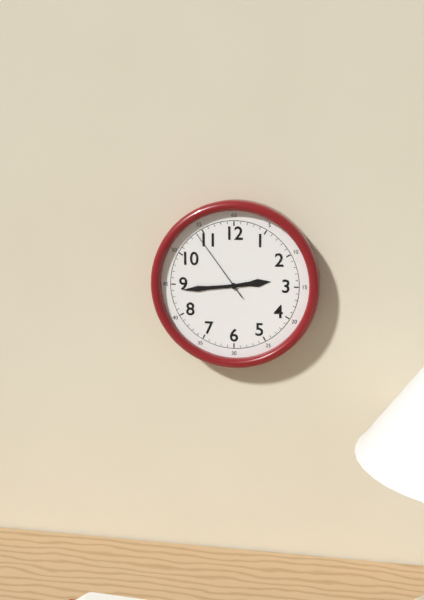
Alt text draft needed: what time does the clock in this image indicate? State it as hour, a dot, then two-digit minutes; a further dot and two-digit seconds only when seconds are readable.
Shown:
2.44.54
